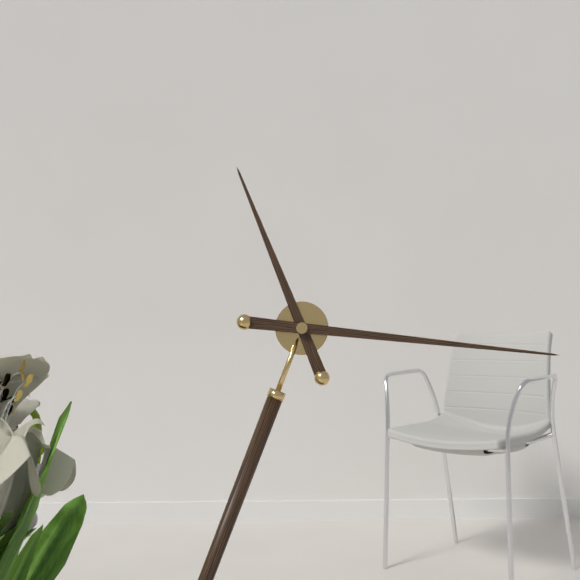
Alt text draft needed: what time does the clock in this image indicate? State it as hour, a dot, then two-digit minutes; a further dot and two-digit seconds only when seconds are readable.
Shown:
11.16
